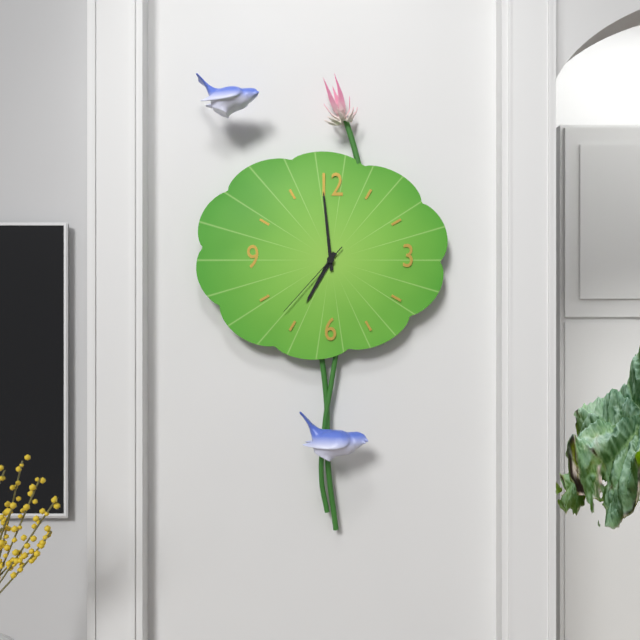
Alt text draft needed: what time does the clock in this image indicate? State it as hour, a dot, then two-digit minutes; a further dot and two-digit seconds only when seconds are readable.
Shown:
6.59.37
